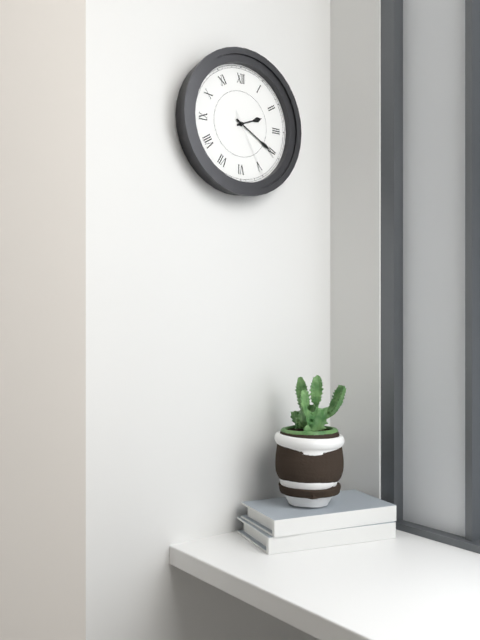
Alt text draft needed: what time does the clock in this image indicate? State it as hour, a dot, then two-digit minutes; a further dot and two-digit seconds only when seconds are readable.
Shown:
2.20.25
